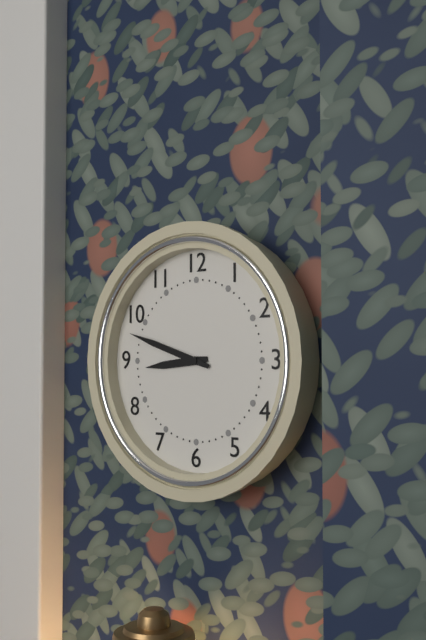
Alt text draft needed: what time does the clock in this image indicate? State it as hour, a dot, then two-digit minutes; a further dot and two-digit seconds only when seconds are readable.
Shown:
8.48
